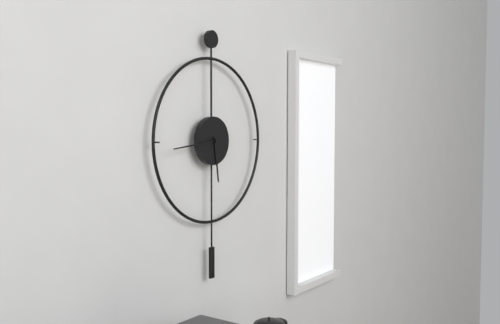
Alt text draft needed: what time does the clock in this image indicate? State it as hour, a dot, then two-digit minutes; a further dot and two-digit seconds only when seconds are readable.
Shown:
5.44
